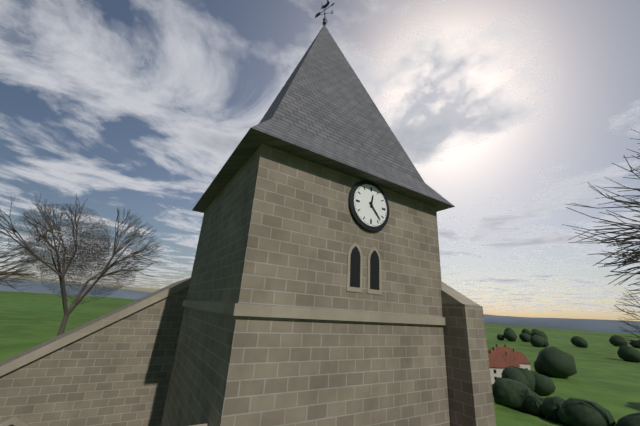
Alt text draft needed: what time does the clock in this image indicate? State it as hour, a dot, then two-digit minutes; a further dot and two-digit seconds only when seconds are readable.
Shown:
12.23
